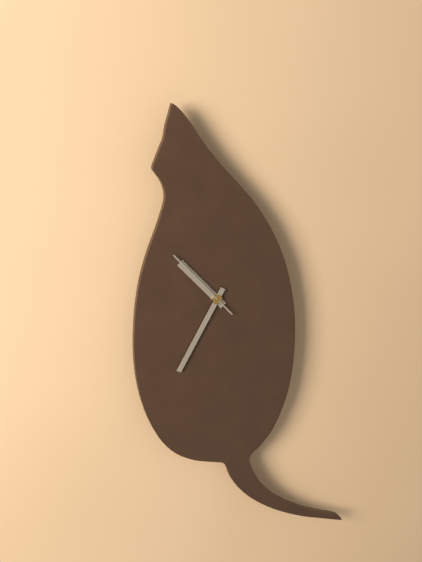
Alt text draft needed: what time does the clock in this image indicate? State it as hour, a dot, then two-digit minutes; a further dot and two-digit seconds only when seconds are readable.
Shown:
10.35.53
